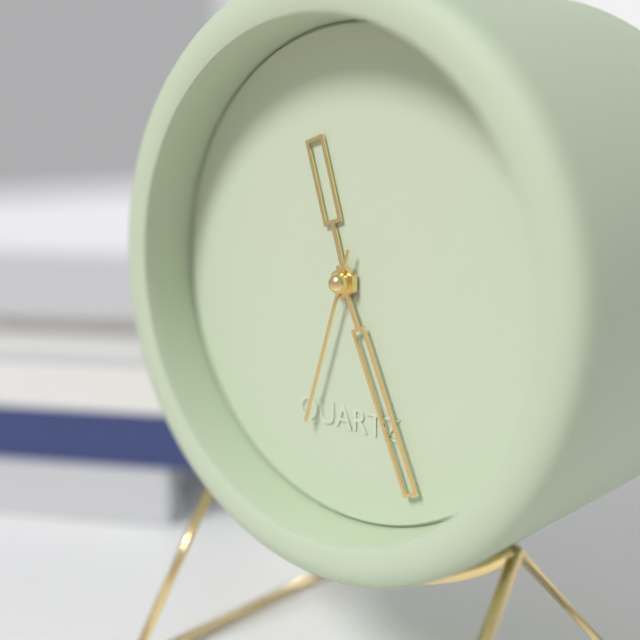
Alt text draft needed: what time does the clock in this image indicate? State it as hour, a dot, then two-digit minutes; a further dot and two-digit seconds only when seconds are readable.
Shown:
11.26.33
